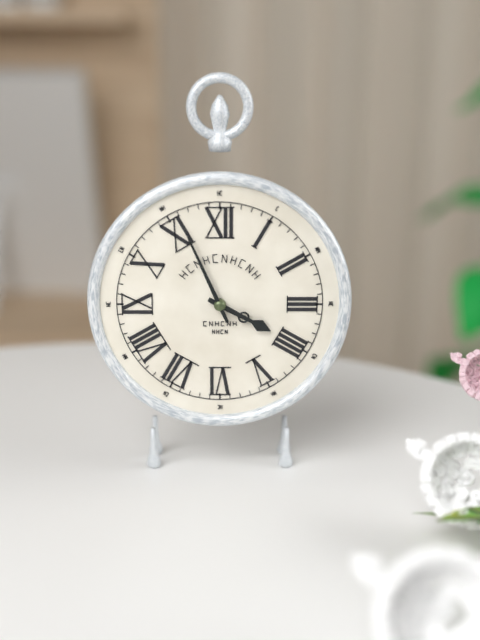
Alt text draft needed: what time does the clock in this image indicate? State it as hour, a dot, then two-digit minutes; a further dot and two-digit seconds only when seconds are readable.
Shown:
3.56
